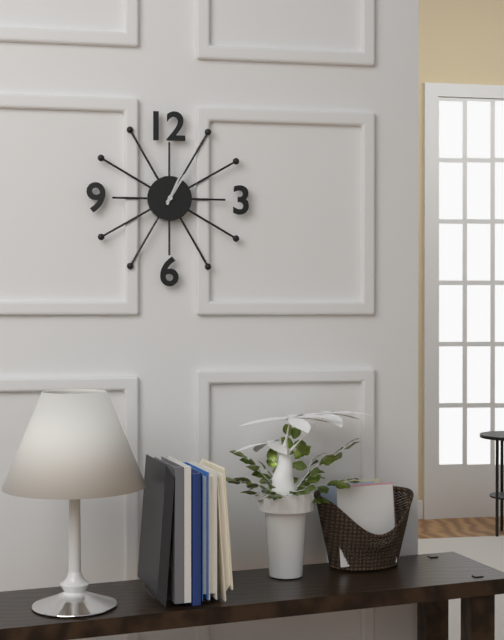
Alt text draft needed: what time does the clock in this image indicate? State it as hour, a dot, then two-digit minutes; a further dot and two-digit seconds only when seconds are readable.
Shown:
1.04
